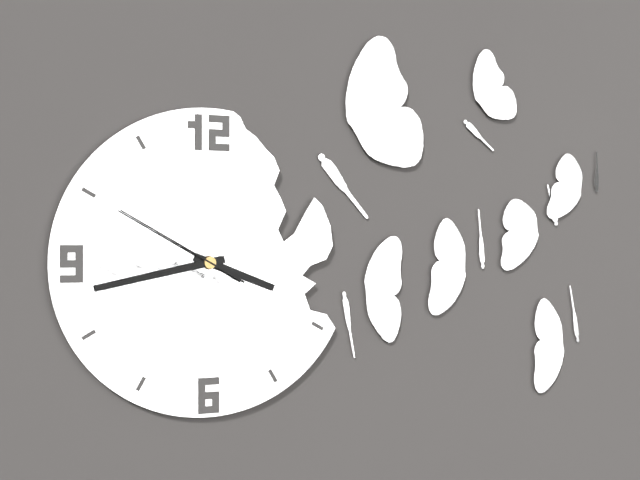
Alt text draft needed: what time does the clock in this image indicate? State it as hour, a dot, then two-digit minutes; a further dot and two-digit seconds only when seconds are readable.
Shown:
3.43.50
